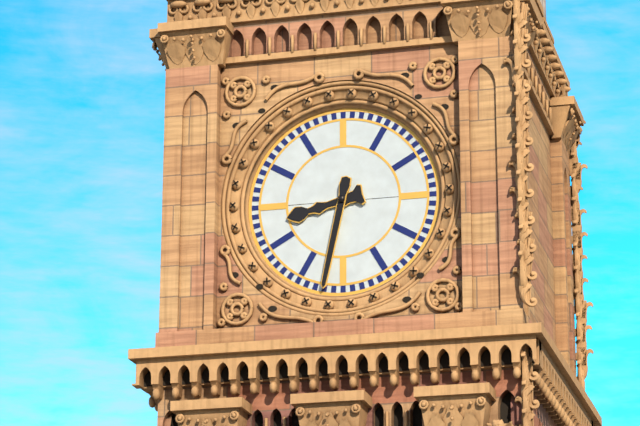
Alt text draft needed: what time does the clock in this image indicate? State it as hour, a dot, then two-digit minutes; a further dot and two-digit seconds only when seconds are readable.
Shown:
8.32
